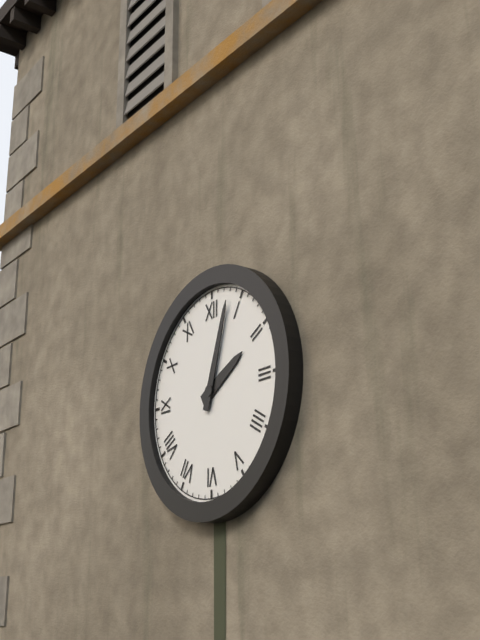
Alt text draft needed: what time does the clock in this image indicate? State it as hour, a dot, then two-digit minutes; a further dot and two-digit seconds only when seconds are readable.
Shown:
2.03
